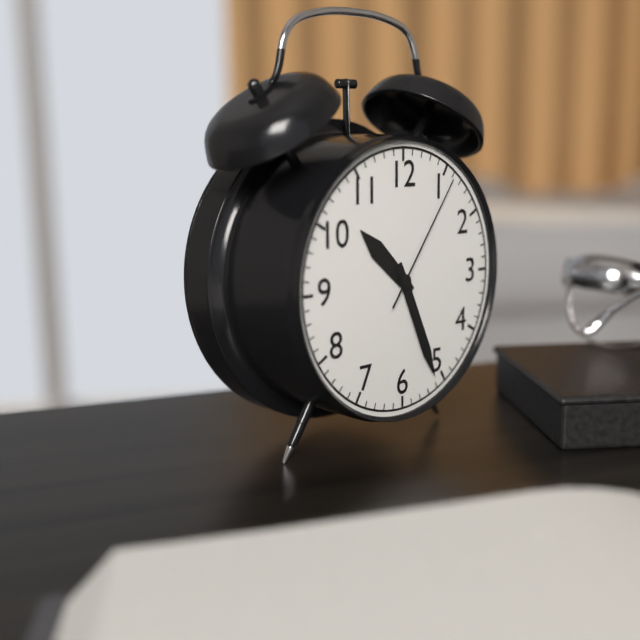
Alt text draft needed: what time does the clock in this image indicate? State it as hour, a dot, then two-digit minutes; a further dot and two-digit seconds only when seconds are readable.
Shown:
10.26.06
